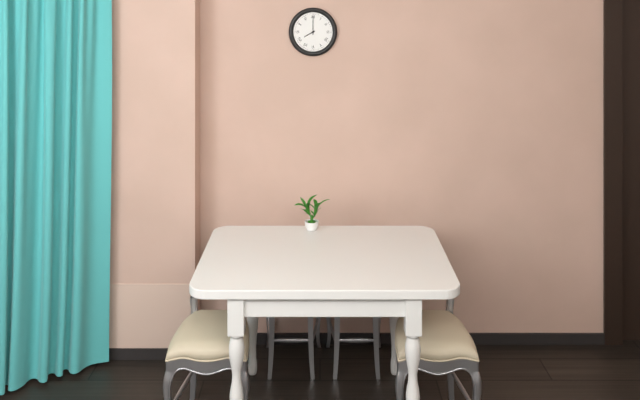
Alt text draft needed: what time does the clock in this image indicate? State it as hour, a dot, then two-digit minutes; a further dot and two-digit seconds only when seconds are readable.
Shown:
8.00
